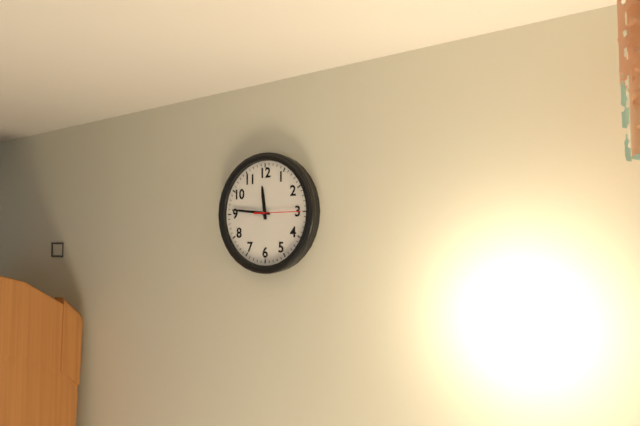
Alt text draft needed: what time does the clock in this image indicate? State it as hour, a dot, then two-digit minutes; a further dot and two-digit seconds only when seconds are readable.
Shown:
11.46
